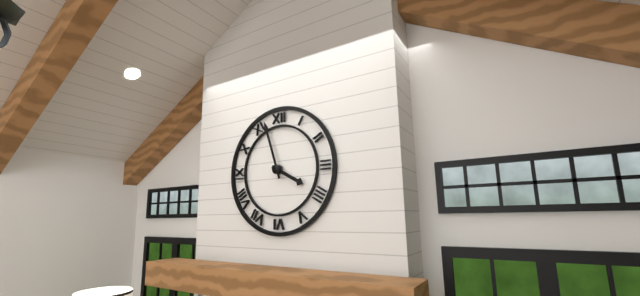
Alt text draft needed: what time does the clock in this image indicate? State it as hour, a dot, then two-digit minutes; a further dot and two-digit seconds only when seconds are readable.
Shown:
3.57
